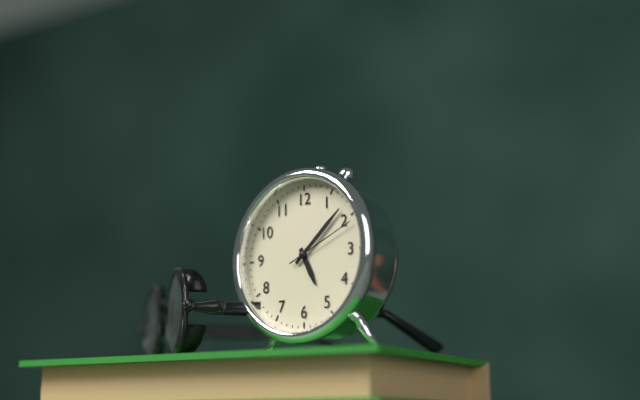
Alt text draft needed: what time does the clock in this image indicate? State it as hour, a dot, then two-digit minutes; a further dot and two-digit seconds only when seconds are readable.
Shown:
5.08.11
